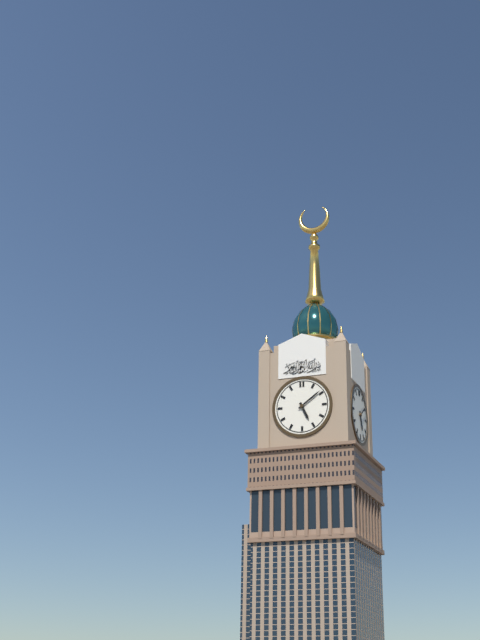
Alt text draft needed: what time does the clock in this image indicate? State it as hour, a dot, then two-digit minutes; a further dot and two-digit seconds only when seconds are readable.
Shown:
5.09
